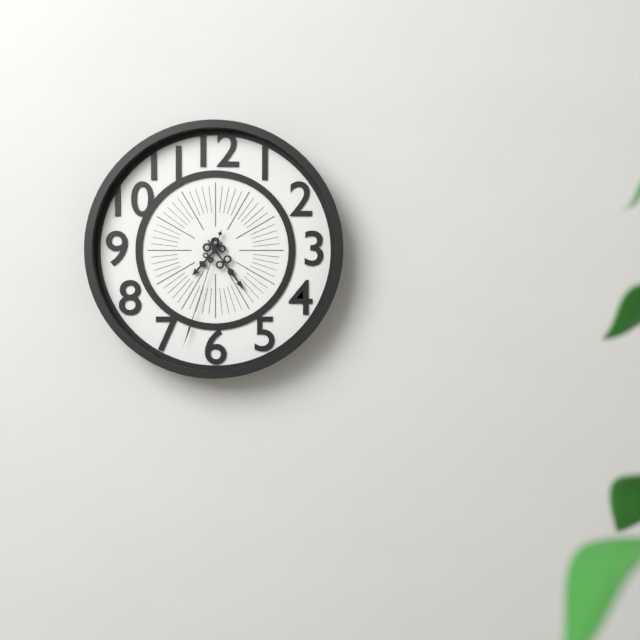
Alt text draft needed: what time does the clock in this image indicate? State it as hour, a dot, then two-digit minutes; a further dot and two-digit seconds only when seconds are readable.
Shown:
7.24.33
